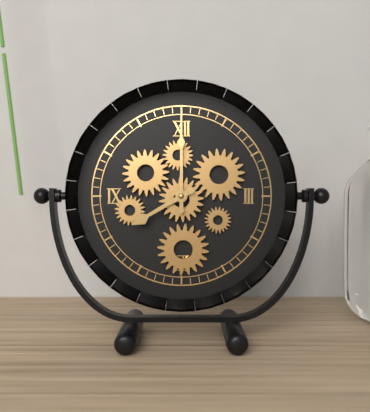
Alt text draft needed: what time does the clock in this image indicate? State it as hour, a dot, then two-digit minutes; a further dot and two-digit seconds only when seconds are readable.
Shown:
8.00
